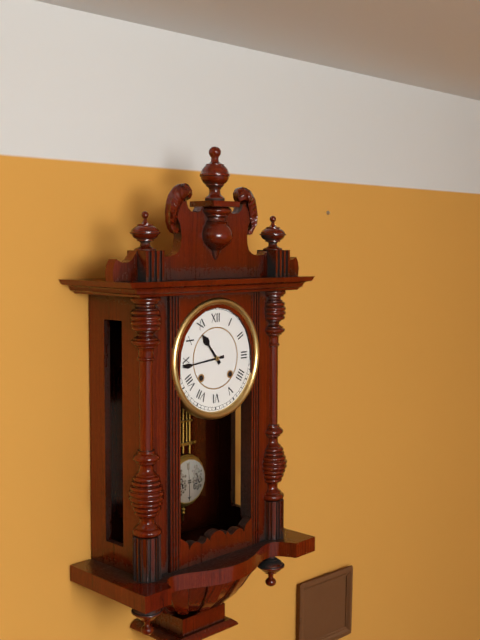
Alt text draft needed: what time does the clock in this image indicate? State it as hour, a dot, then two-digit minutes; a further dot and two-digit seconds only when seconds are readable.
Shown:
10.44
